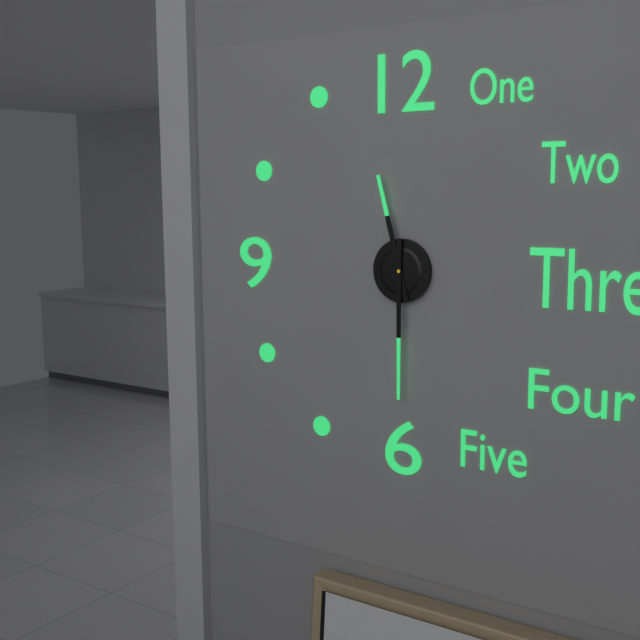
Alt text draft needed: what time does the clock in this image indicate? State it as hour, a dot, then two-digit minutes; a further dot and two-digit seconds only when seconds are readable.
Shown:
11.30
